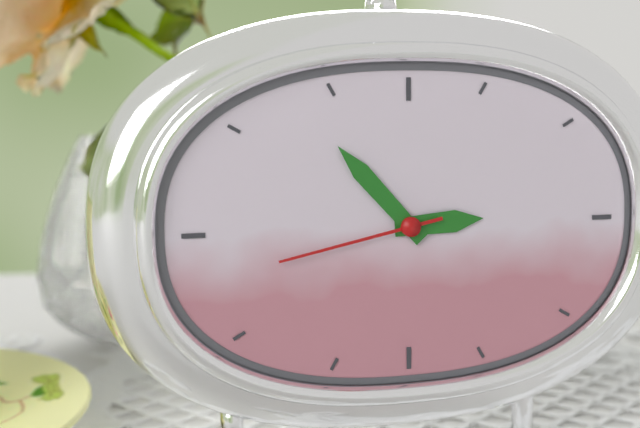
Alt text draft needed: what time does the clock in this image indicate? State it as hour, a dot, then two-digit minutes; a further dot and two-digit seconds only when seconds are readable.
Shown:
2.53.43
